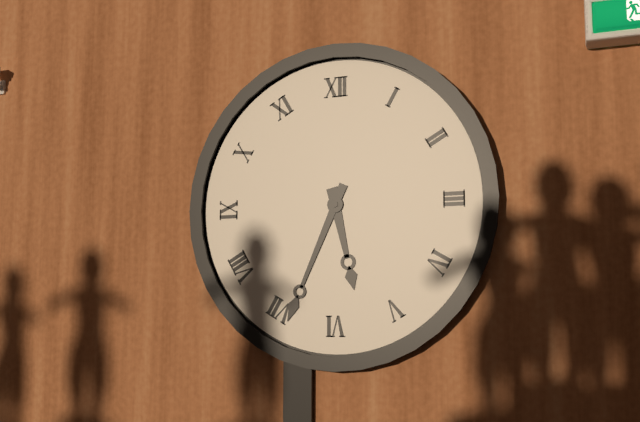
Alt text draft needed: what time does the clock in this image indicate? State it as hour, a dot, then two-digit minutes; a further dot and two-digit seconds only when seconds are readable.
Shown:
5.34
